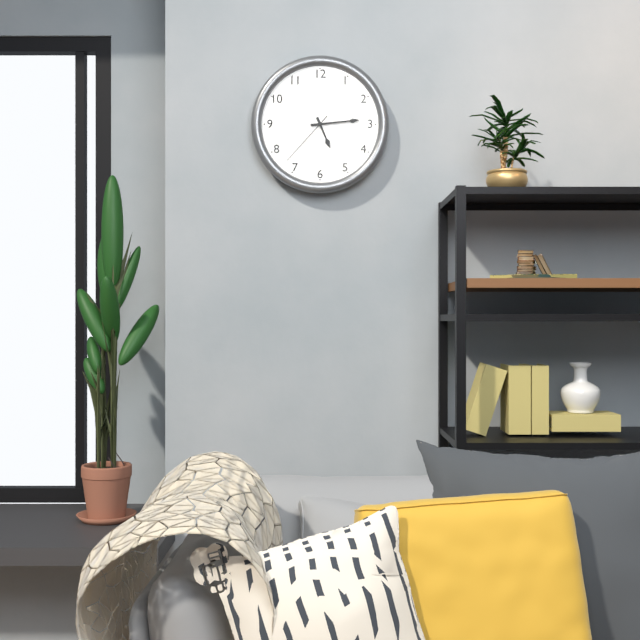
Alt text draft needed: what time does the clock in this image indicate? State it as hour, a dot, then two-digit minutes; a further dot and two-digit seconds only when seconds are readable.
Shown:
5.14.37
